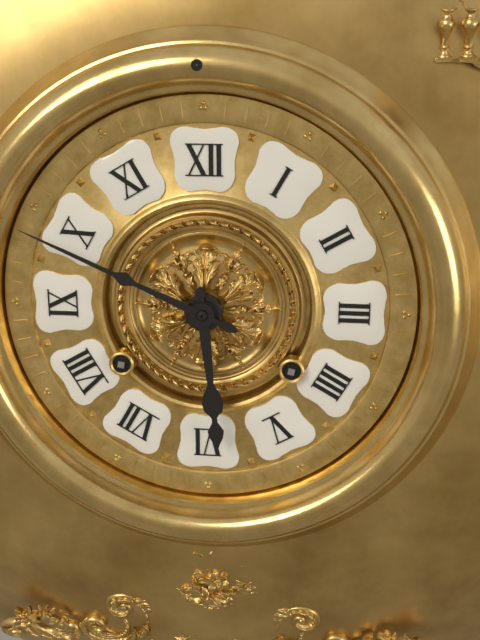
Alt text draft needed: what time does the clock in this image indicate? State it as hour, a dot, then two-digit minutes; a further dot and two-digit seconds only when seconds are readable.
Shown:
5.49
